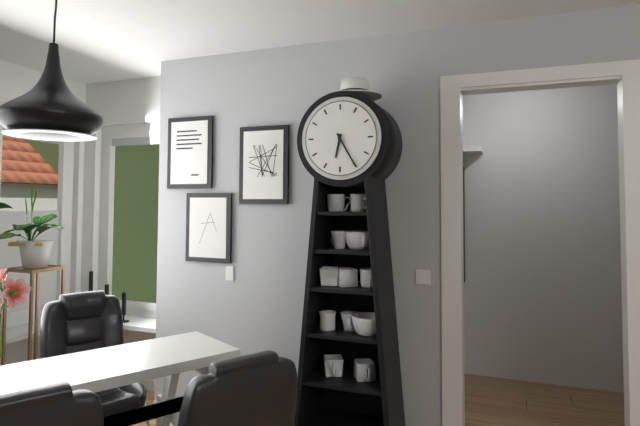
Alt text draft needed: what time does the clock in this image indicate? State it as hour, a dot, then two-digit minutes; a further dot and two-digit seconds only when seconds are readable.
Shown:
6.25
